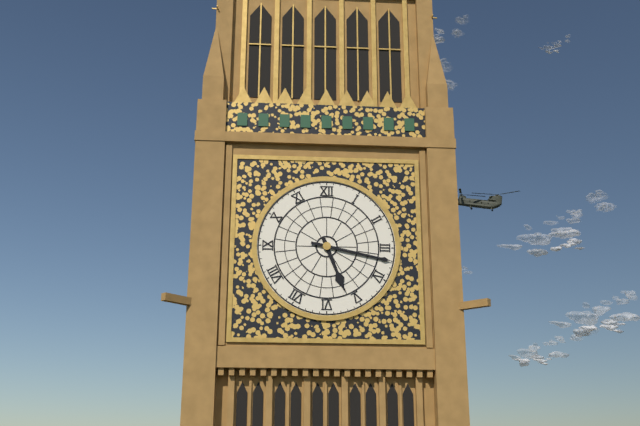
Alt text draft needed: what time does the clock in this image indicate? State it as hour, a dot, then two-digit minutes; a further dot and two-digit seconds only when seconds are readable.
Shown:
5.17
